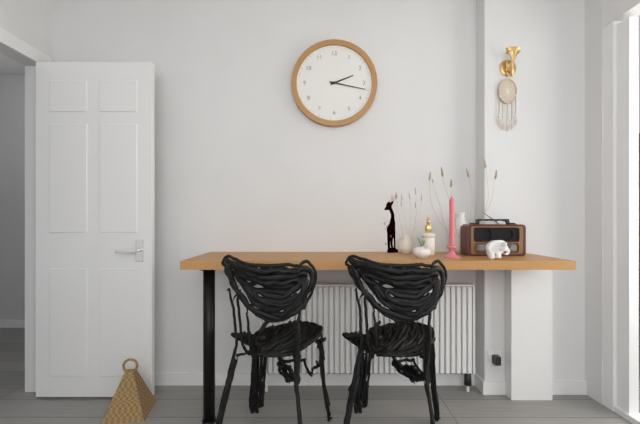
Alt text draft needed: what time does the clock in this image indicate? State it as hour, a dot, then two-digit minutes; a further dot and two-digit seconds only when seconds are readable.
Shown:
2.17
